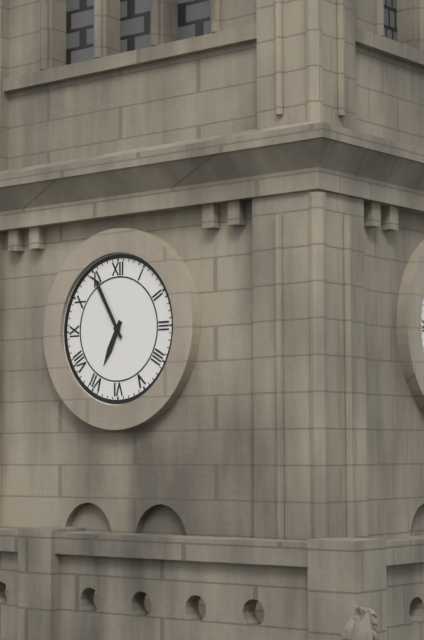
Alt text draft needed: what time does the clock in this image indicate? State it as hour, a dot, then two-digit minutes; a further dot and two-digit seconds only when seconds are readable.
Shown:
6.55
